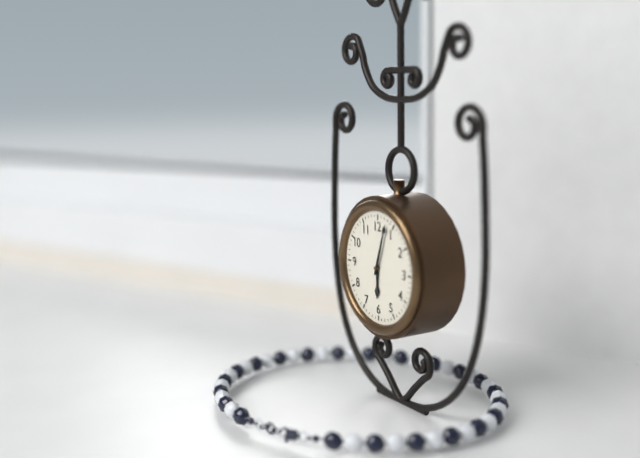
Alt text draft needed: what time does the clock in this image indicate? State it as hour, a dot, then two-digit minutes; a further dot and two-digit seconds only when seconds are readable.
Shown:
6.03
